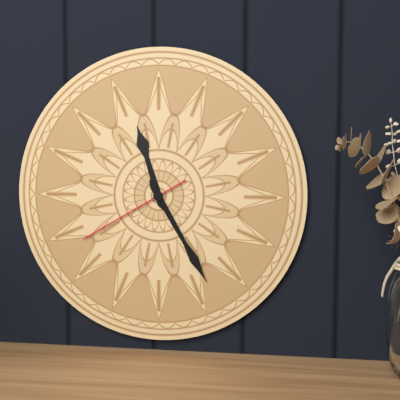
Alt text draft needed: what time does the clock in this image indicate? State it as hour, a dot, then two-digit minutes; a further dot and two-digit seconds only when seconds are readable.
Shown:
11.25.40
